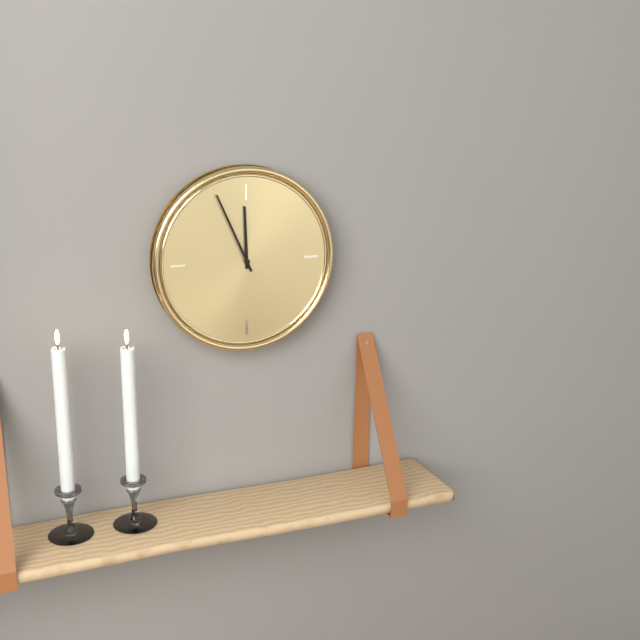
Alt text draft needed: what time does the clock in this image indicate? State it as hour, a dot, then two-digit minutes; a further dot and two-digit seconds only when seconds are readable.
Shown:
11.56
